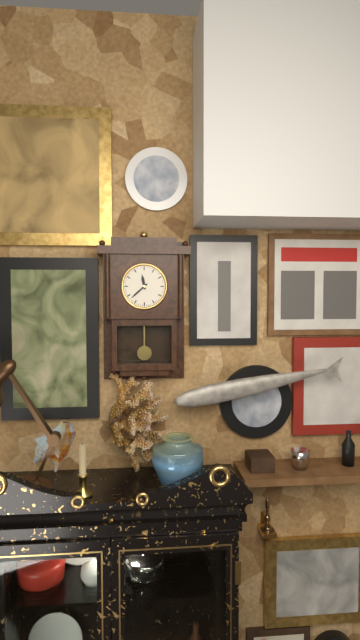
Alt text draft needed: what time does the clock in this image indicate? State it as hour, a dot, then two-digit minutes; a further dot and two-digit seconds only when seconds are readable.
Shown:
11.38
